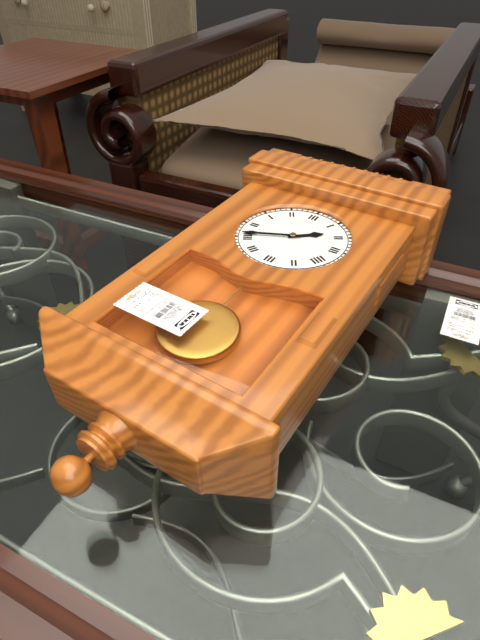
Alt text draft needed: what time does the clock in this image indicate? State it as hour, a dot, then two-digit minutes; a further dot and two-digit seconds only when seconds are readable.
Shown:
1.41
